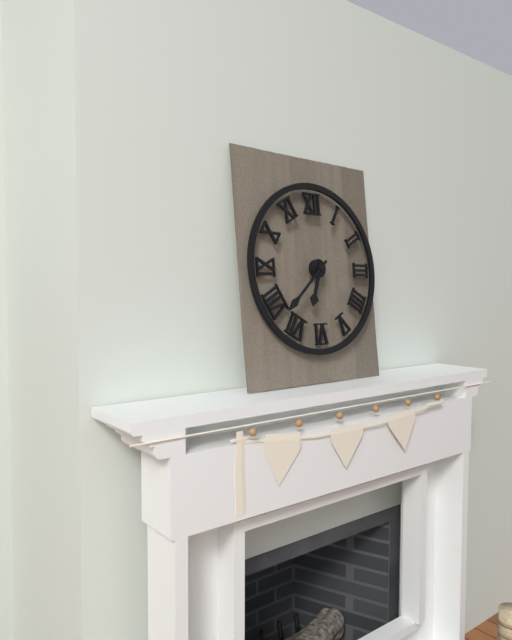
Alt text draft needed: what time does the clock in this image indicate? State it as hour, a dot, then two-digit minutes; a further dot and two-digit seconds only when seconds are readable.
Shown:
6.38
